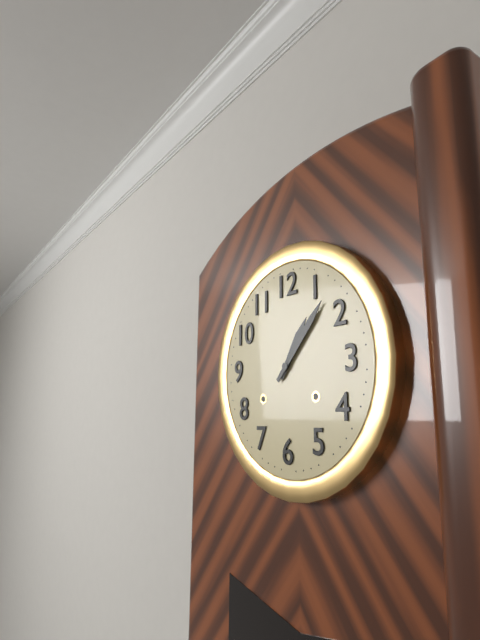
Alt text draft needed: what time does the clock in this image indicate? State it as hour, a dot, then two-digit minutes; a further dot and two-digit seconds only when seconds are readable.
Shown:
1.07
